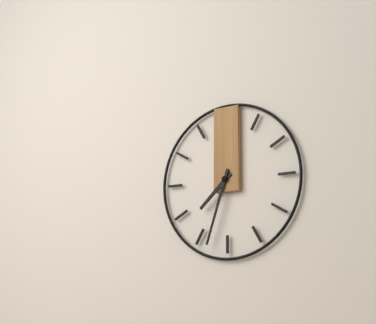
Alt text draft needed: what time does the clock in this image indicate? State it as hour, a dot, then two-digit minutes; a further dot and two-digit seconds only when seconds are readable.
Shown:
7.33
